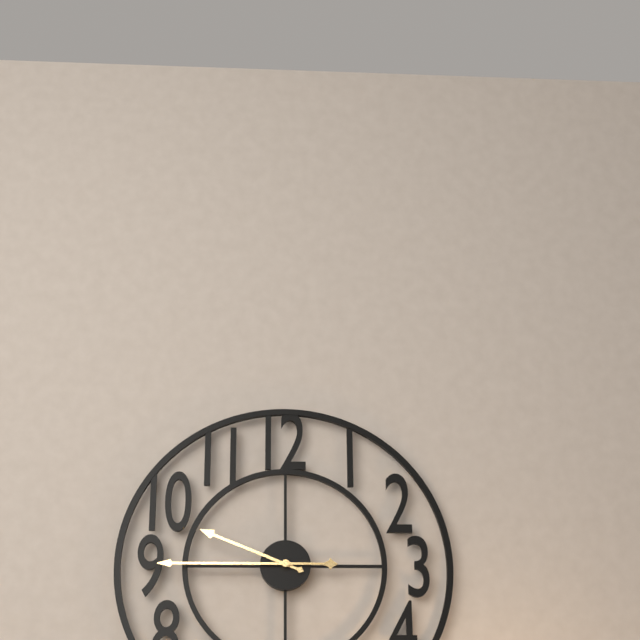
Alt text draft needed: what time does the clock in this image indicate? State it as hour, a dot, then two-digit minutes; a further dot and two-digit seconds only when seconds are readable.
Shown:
9.45
